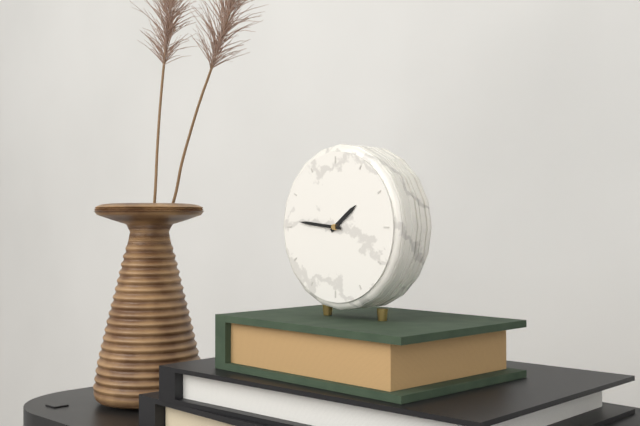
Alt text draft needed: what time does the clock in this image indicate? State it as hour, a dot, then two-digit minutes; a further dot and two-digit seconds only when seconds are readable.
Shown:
1.46
